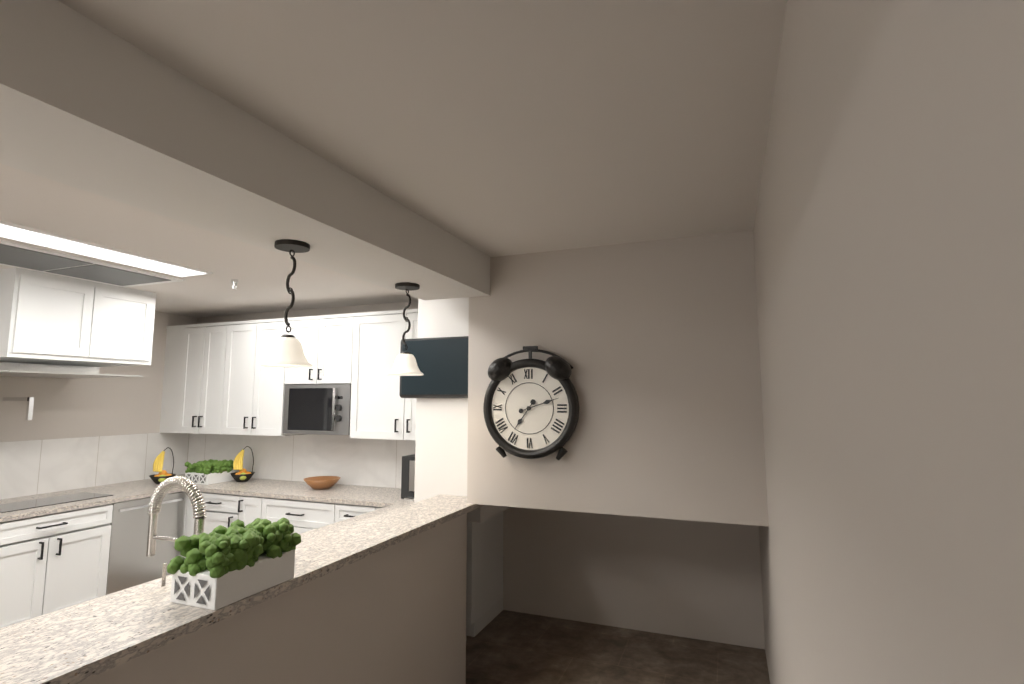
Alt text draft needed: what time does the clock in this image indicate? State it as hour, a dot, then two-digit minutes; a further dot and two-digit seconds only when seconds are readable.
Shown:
7.12
